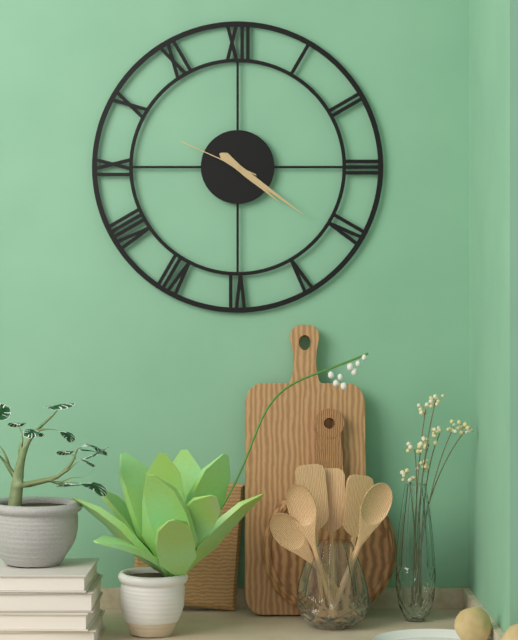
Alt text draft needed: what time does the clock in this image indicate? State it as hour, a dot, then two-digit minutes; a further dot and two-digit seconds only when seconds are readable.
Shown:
4.21.49
